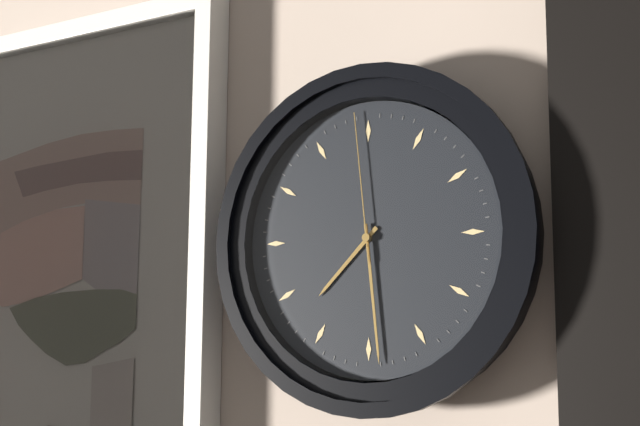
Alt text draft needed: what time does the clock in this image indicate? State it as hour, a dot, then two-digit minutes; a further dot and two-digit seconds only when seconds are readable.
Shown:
7.29.59
